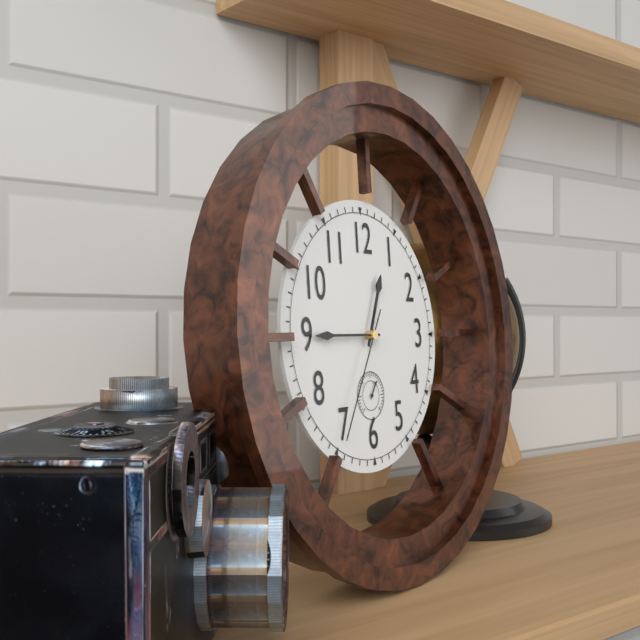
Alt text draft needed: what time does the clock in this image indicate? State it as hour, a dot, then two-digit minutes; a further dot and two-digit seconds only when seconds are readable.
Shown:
12.45.35
